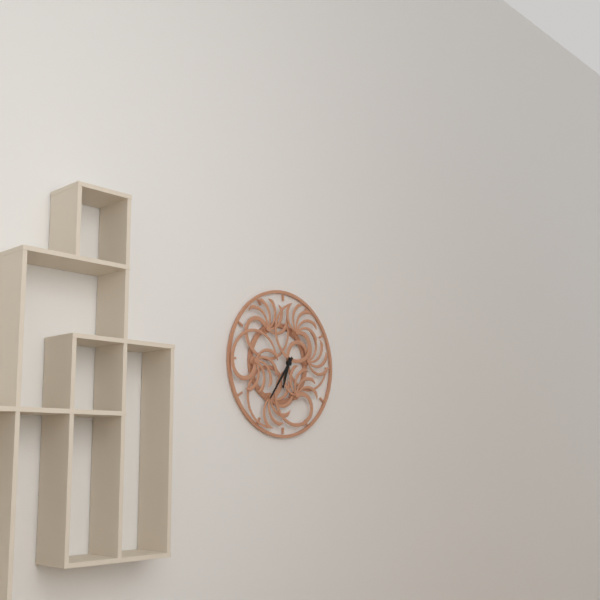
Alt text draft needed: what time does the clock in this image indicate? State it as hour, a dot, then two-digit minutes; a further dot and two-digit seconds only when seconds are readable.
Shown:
6.36
